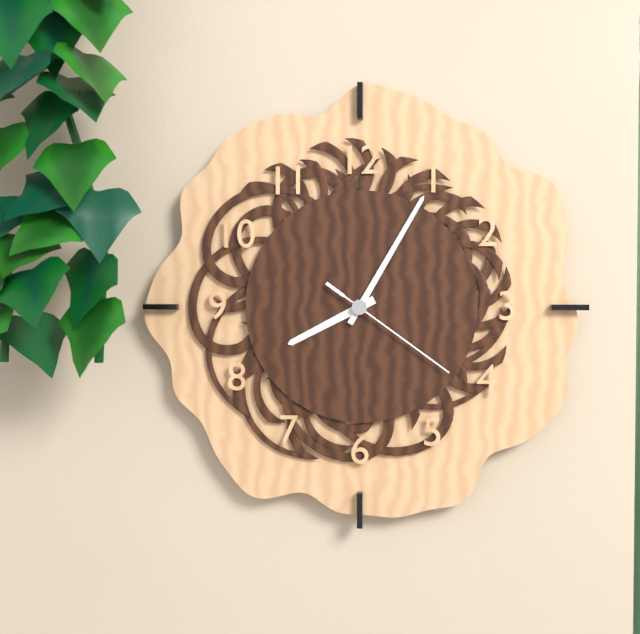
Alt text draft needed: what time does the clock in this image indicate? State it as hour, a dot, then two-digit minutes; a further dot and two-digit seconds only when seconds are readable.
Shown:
8.05.21
